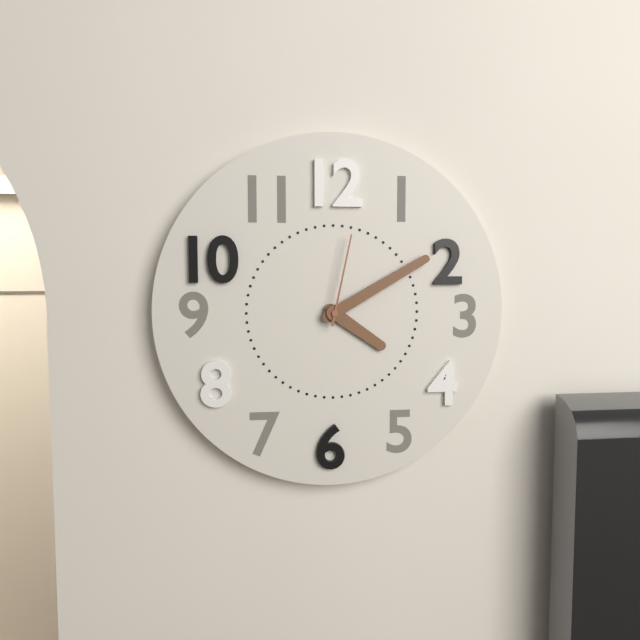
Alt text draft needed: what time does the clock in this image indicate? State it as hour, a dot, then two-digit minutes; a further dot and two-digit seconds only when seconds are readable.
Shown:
4.10.02
